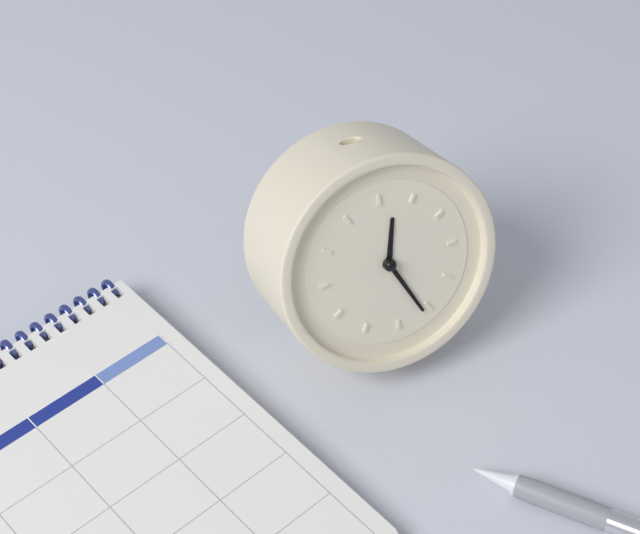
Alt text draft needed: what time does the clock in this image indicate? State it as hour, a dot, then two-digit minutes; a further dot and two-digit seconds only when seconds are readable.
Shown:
12.26
